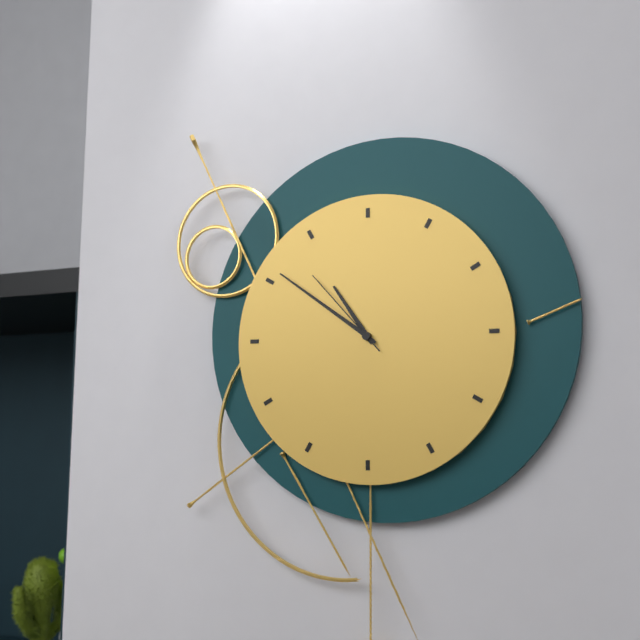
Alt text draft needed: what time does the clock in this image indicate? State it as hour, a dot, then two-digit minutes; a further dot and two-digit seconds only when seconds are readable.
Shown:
10.51.53
